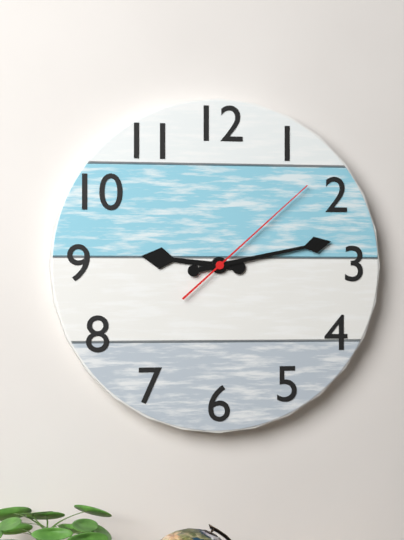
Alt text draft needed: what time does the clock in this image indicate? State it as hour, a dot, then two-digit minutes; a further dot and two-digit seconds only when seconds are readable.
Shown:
9.13.08
